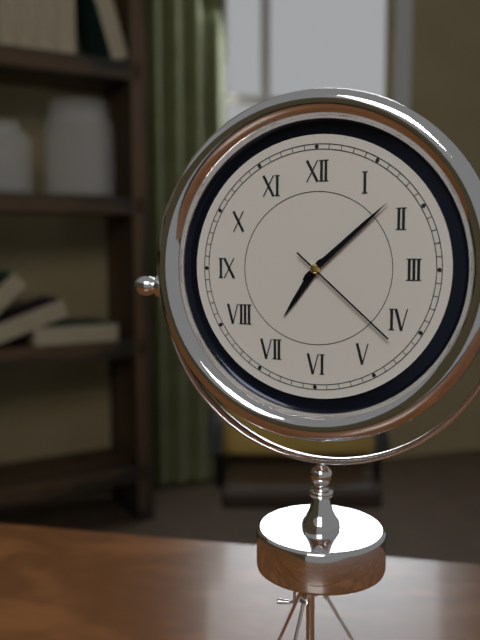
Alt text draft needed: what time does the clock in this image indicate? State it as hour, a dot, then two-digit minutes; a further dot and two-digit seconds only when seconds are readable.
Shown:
7.08.22
